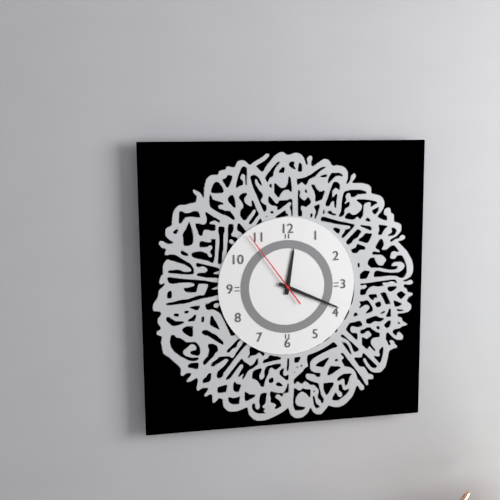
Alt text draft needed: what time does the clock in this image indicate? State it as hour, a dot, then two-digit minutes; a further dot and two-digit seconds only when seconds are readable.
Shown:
12.19.54
